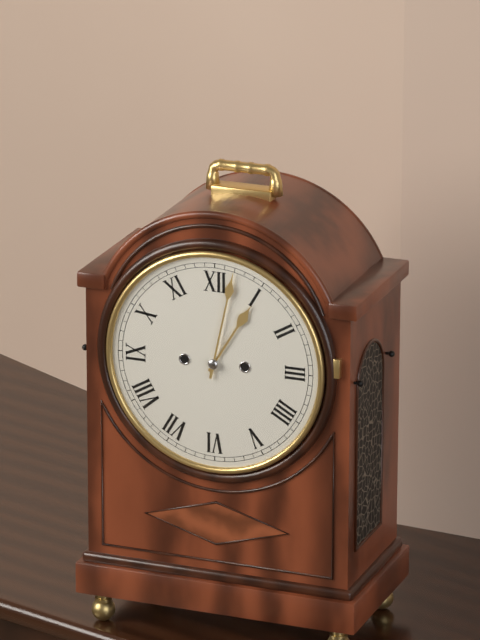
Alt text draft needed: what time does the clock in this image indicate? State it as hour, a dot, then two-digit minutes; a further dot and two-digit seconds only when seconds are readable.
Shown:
1.02
